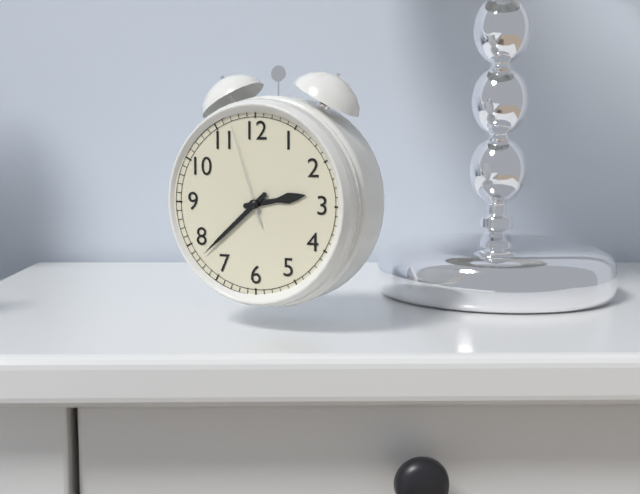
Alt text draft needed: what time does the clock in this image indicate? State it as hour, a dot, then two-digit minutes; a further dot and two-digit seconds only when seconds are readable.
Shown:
2.38.57
